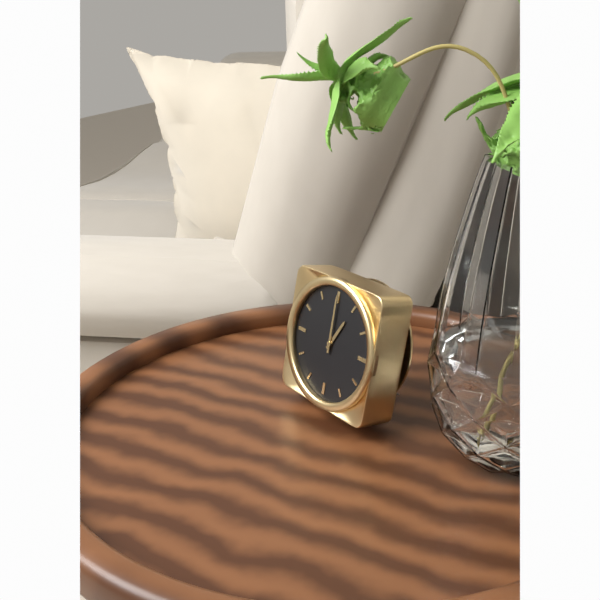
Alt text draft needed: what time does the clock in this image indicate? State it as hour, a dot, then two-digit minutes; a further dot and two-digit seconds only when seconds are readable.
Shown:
1.00
